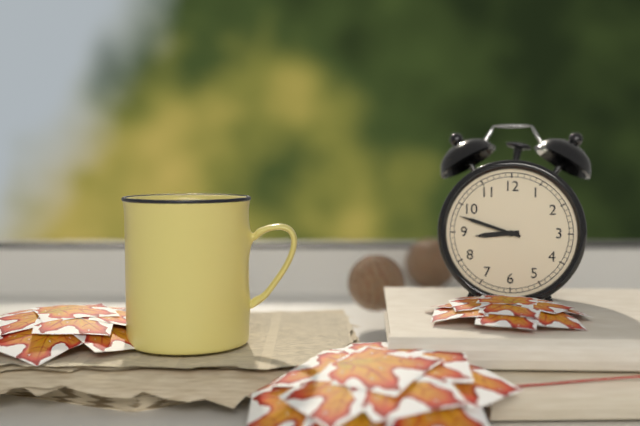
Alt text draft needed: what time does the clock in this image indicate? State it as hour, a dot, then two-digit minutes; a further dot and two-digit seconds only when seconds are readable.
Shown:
8.48
